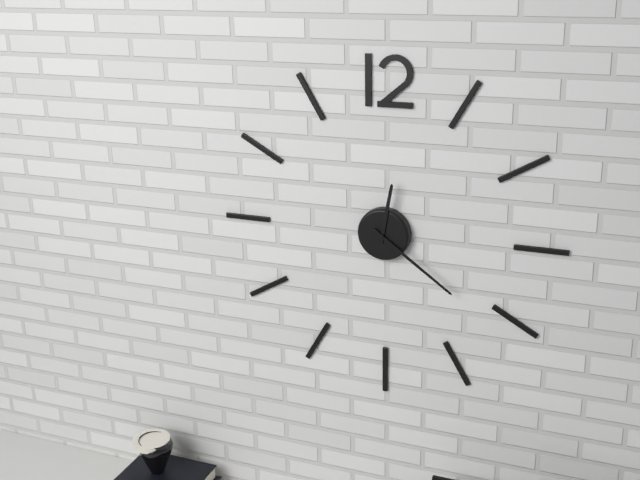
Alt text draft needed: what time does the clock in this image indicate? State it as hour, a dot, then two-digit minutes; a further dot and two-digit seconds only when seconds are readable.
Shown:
12.21
